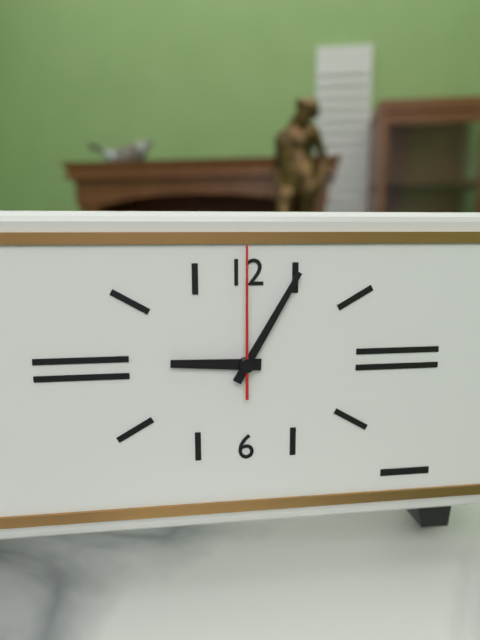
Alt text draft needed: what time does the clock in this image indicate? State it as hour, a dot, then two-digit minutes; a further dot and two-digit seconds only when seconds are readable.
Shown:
9.05.00
